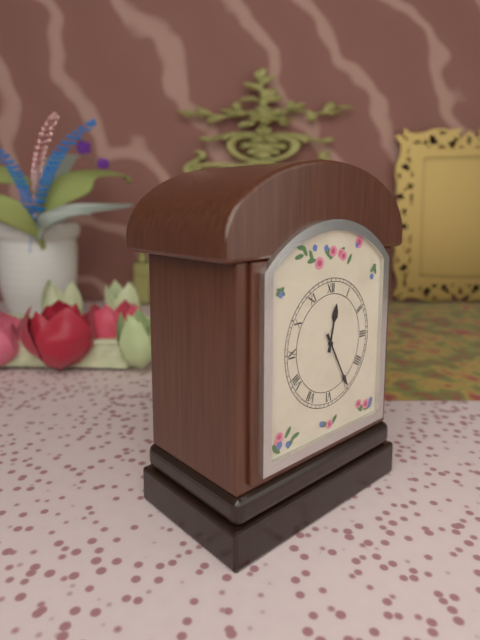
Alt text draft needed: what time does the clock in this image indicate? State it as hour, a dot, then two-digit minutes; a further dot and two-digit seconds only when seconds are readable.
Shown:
12.25
